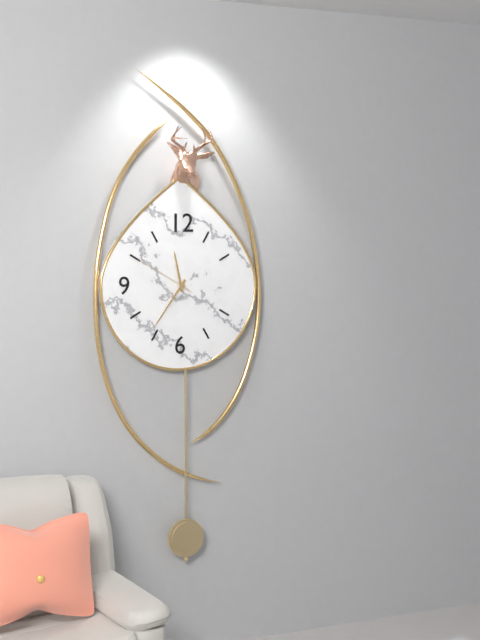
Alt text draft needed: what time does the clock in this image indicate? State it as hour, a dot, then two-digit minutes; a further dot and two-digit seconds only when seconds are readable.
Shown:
11.36.50
